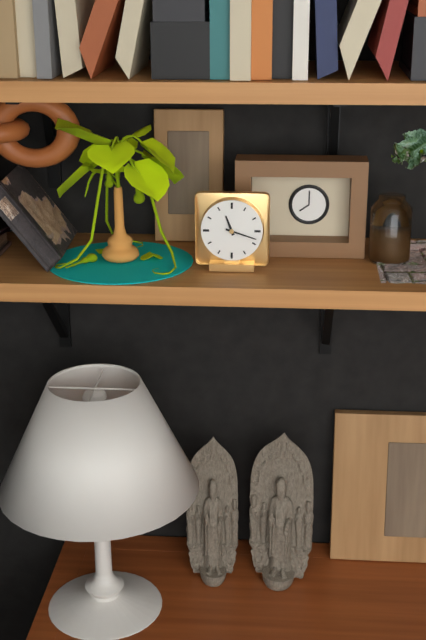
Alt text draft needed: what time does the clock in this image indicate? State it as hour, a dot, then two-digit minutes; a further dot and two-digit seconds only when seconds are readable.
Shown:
11.18
